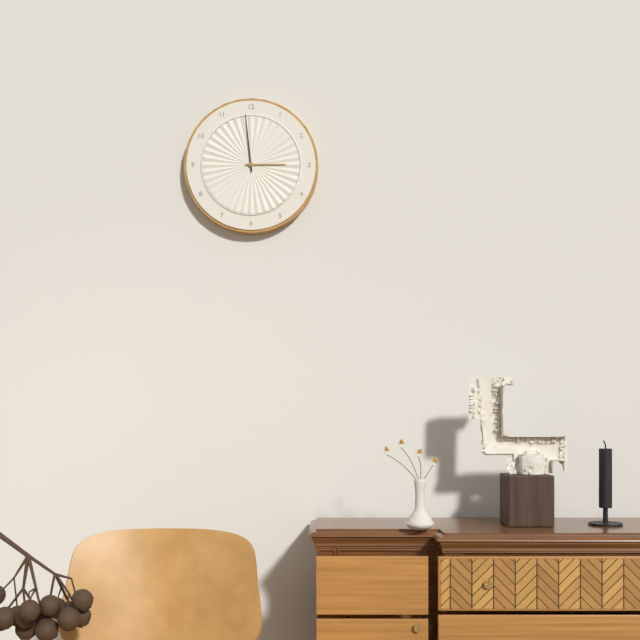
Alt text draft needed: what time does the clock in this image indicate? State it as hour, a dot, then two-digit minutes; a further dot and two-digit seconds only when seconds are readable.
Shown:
2.59
